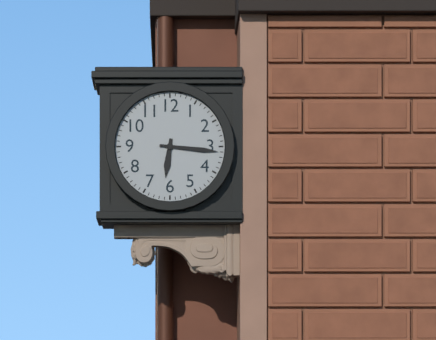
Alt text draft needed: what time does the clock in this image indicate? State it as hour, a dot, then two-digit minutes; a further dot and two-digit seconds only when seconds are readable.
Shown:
6.16
